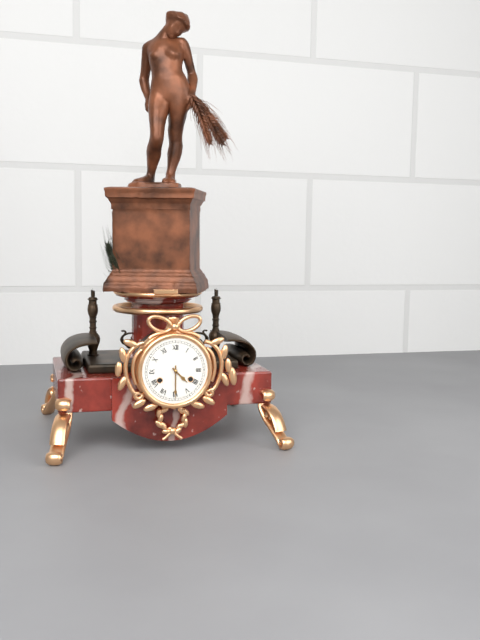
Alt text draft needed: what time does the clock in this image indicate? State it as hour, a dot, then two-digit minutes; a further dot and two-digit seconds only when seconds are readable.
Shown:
4.30
